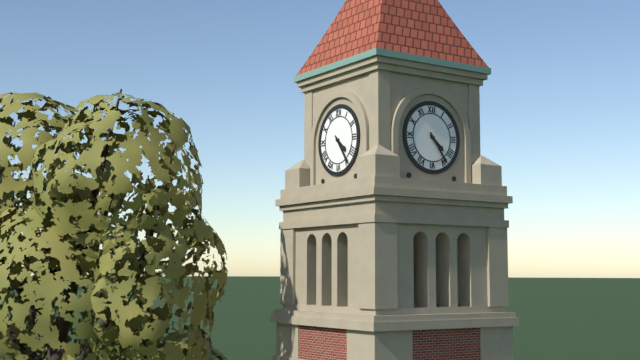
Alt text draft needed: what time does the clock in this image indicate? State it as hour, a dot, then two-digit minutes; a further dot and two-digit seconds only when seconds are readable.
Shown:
4.24
